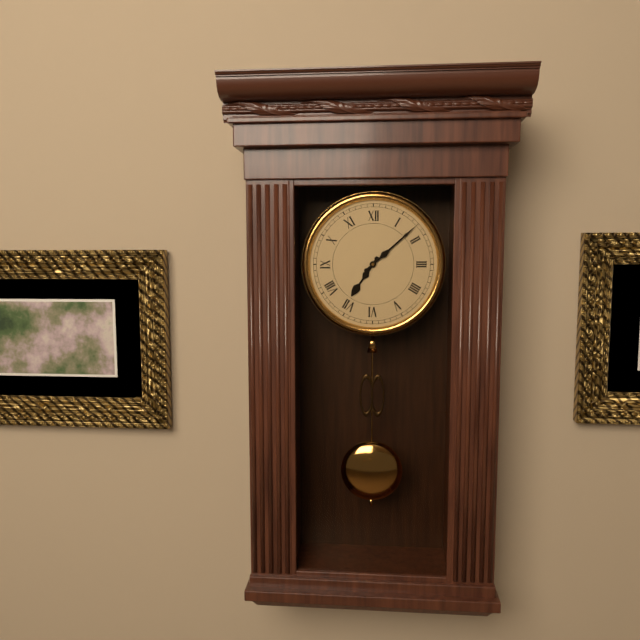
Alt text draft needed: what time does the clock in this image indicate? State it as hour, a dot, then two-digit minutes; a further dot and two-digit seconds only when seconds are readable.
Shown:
7.08
